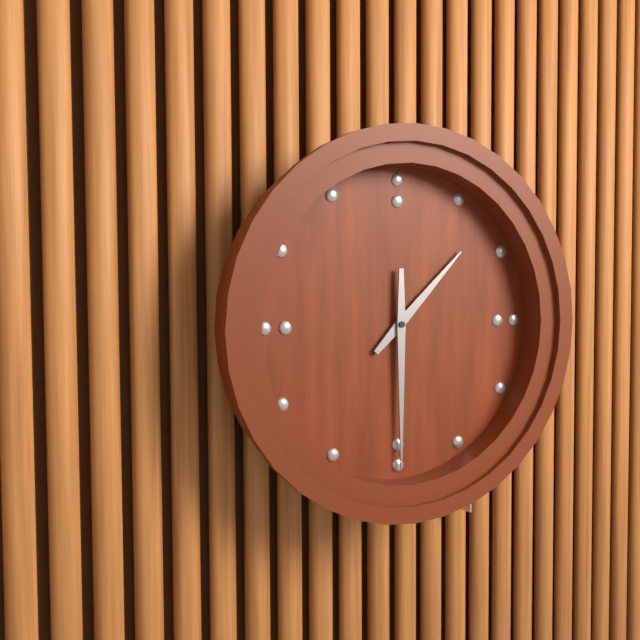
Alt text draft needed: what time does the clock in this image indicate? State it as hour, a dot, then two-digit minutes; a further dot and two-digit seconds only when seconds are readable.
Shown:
1.30
